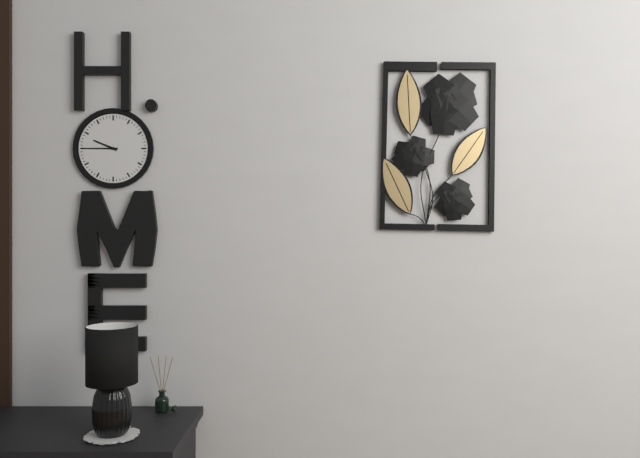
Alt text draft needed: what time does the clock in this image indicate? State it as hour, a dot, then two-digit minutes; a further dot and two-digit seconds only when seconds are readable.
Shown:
9.45
